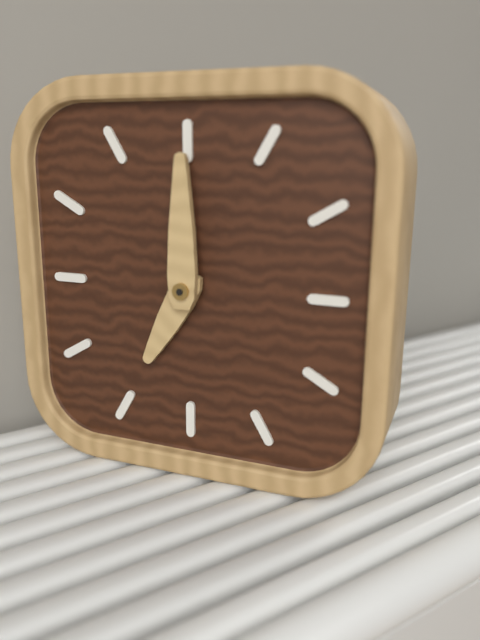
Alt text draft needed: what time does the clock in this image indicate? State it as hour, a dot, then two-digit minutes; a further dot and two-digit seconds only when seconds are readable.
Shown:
7.00
